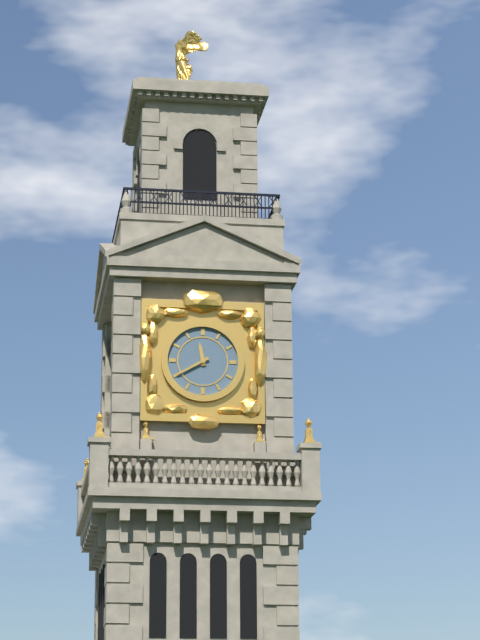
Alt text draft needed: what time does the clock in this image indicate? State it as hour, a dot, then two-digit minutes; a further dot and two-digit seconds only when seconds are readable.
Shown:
11.40
